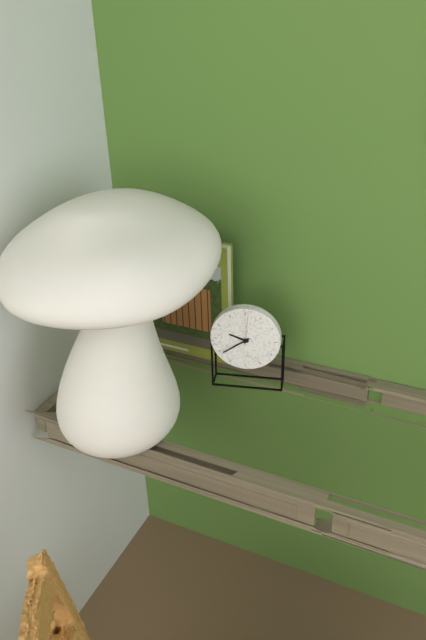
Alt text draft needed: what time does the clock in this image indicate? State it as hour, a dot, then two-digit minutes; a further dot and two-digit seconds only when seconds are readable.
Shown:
9.39
